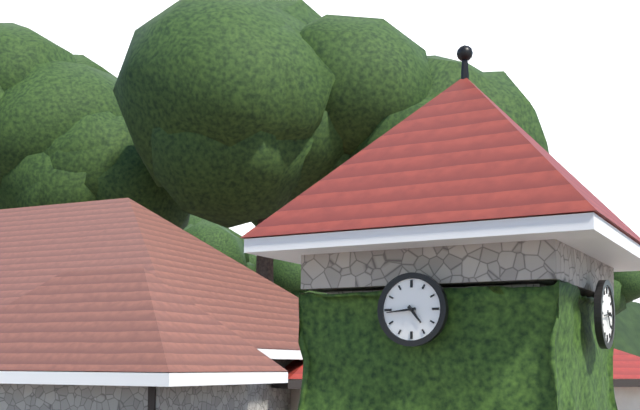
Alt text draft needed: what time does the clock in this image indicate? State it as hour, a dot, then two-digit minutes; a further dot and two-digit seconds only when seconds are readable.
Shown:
4.44
